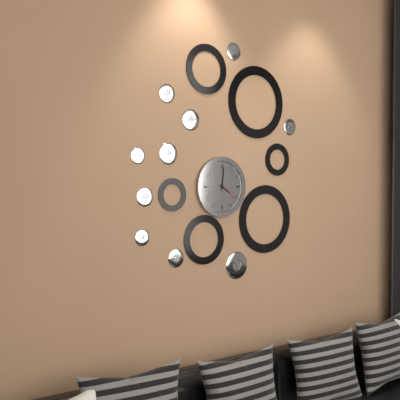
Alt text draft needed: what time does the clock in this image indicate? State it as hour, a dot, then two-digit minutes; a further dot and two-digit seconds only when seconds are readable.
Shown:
4.01
